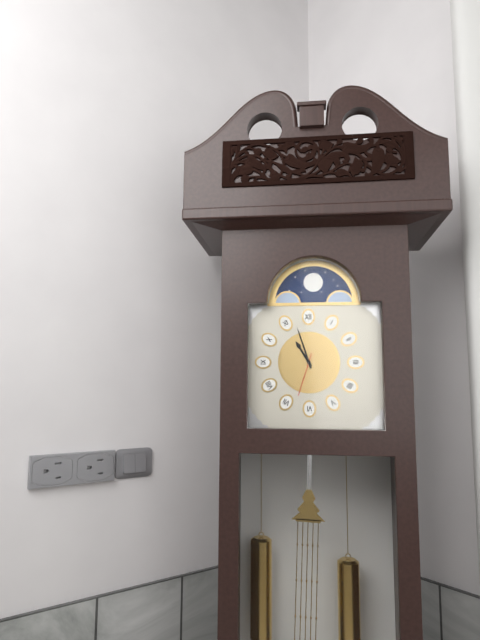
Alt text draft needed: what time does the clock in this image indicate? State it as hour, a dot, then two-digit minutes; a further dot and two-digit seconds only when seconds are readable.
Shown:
10.57
